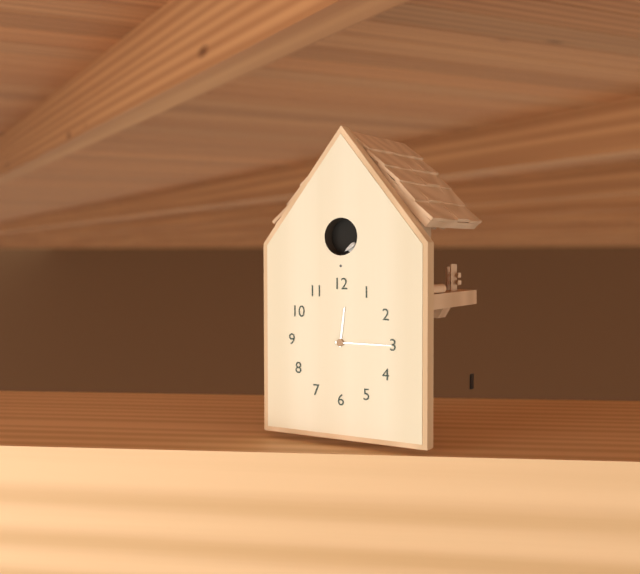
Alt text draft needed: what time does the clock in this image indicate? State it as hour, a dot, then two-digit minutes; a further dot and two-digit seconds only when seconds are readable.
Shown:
12.15
